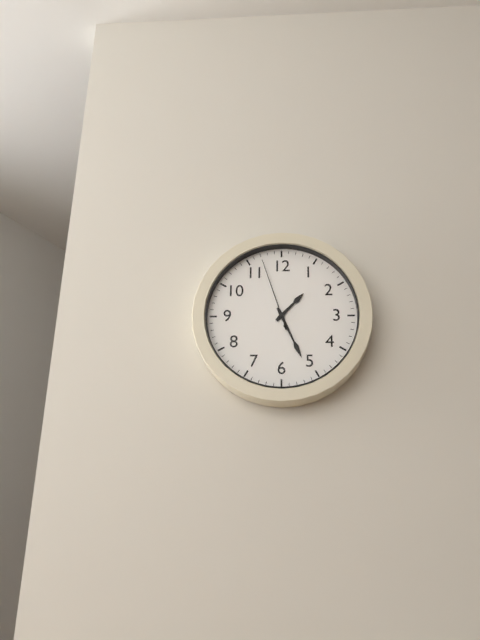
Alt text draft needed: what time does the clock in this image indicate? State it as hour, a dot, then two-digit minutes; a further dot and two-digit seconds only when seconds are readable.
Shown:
1.26.57
